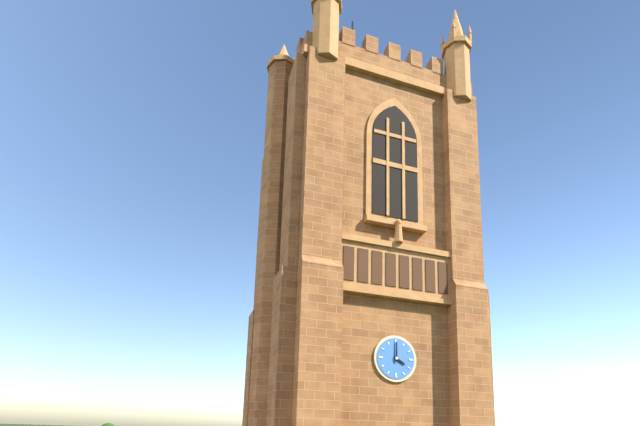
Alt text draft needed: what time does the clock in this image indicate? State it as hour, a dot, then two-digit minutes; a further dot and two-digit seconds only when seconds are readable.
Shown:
4.00
